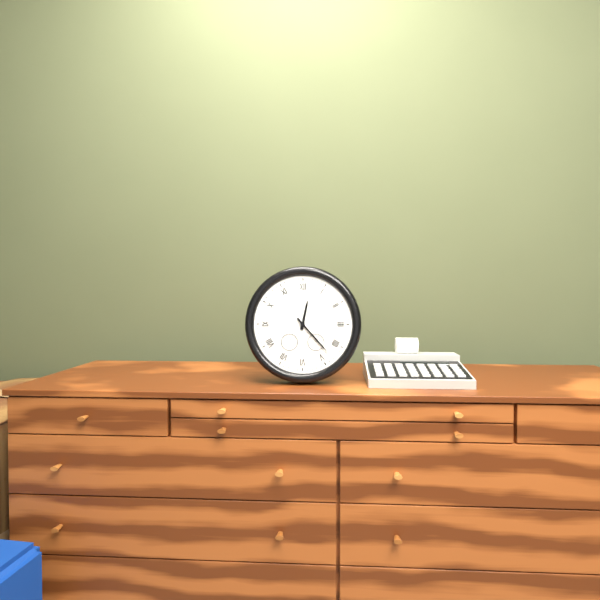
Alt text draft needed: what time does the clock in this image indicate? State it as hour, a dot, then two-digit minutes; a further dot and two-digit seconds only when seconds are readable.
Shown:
12.23
